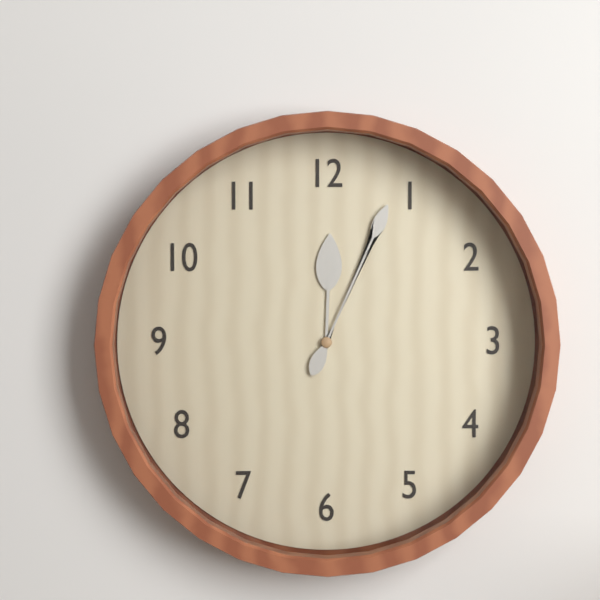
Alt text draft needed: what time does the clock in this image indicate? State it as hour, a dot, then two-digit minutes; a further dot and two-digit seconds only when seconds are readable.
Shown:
12.04
